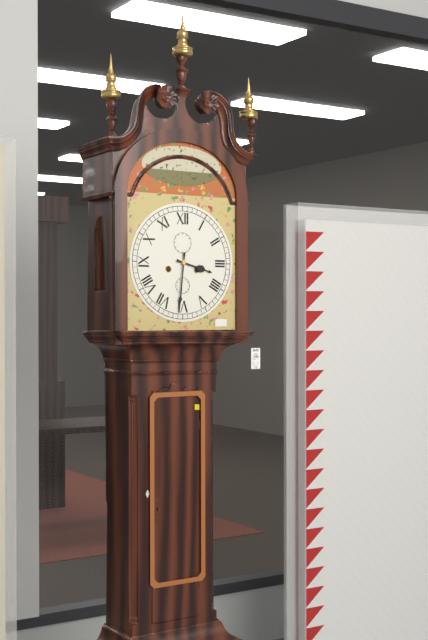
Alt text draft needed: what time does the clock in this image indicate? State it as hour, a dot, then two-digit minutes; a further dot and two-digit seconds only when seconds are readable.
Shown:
3.31
